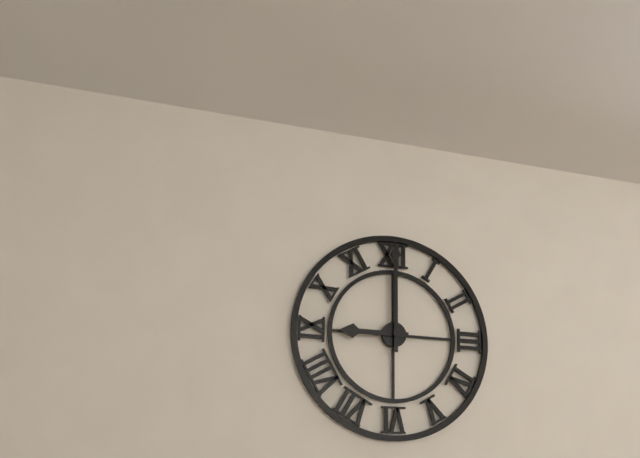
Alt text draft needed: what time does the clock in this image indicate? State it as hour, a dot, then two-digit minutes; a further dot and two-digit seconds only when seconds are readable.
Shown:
9.00
